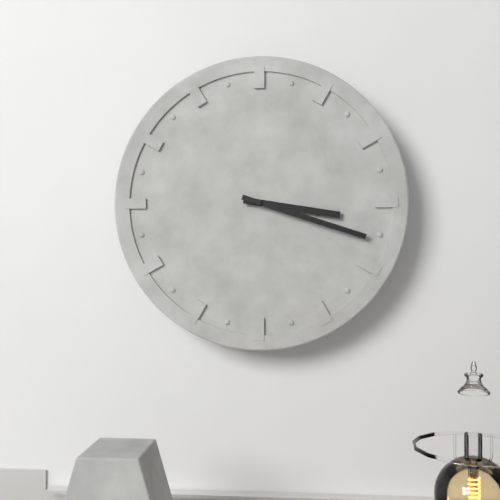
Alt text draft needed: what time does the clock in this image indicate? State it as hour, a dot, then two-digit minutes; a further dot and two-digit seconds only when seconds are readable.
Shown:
3.18
